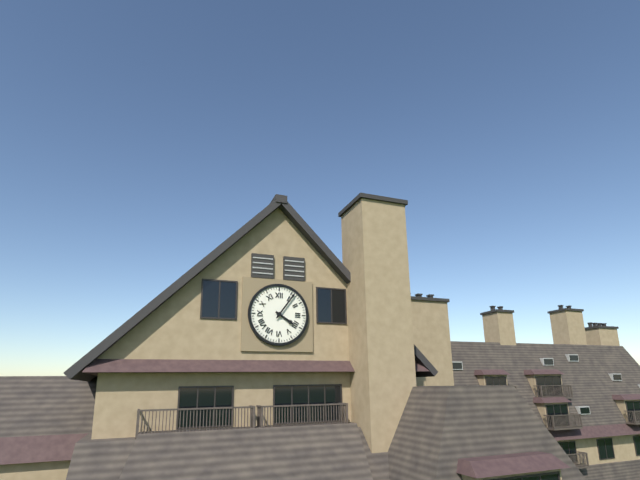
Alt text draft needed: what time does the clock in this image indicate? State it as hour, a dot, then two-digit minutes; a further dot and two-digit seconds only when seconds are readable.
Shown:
4.06
